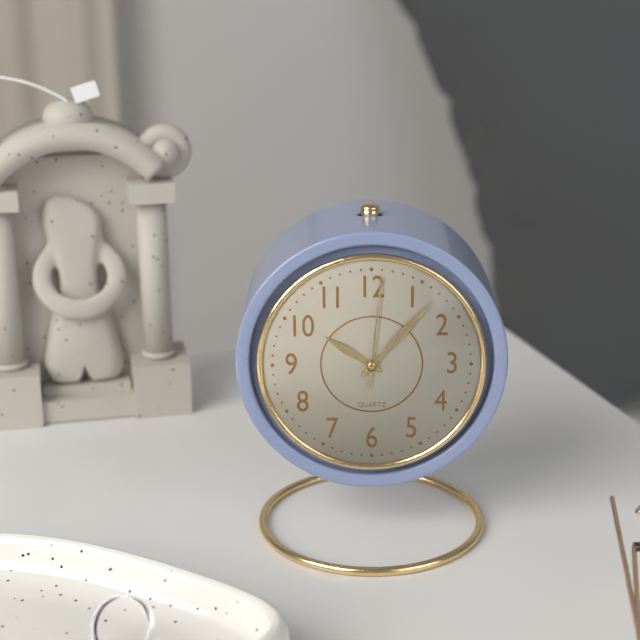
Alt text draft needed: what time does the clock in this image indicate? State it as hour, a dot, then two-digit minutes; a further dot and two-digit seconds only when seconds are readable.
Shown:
10.07.01
